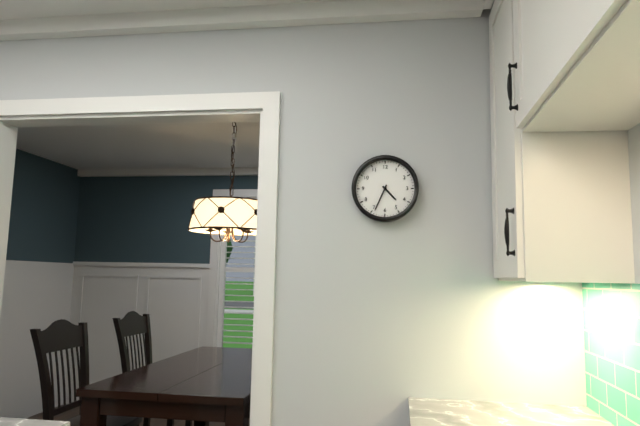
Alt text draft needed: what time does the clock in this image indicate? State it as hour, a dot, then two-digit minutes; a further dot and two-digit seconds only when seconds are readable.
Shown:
4.34
